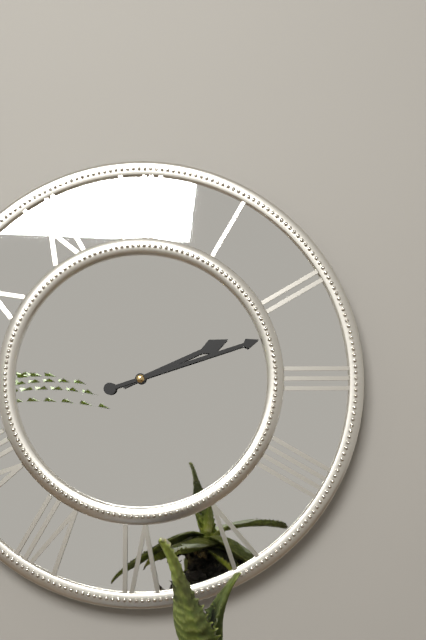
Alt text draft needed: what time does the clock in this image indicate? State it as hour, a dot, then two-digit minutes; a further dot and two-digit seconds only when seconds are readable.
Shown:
2.12
